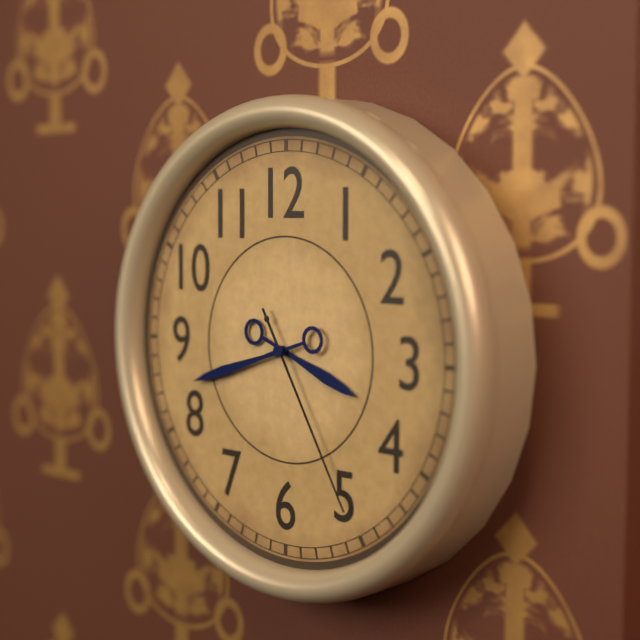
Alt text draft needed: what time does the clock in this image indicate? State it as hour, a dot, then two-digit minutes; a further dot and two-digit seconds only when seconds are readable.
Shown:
3.42.25
